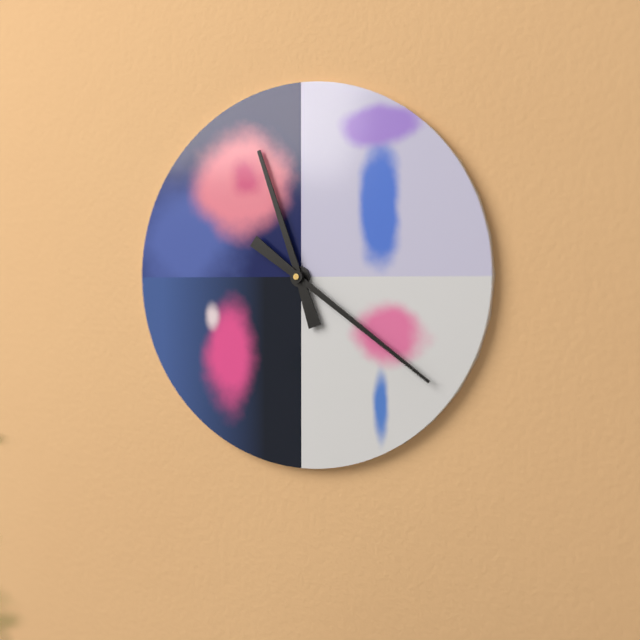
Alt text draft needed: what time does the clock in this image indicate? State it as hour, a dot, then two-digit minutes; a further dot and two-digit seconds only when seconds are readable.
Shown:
11.21
